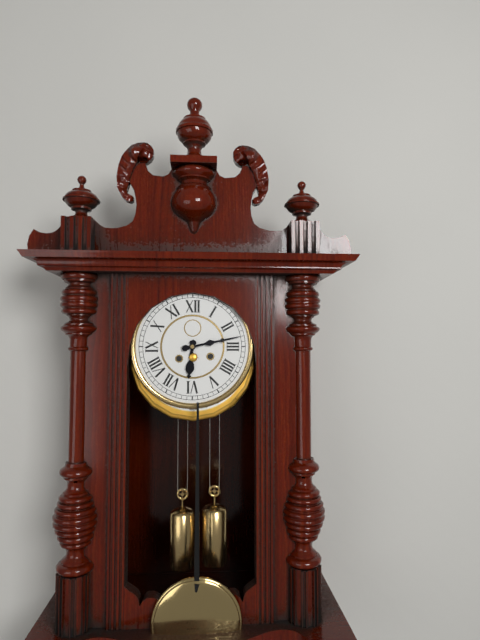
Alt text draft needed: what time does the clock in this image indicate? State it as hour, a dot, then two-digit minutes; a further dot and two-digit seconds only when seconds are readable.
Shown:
6.13
